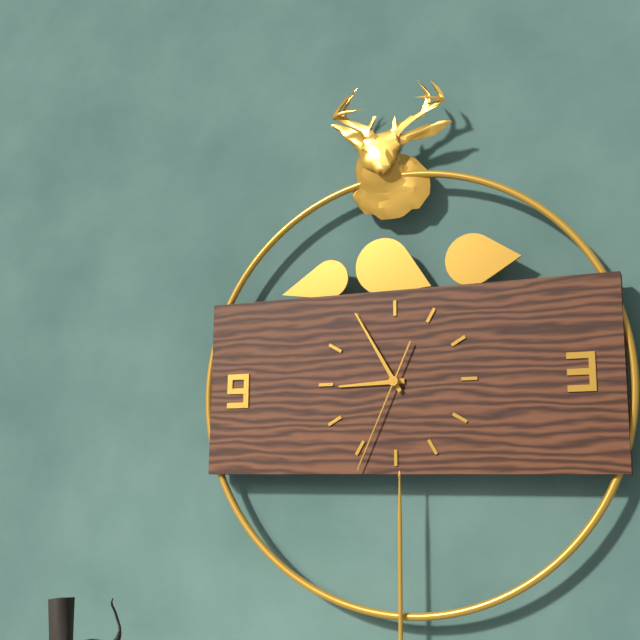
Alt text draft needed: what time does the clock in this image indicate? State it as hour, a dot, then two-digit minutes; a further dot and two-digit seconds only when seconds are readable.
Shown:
8.55.34
